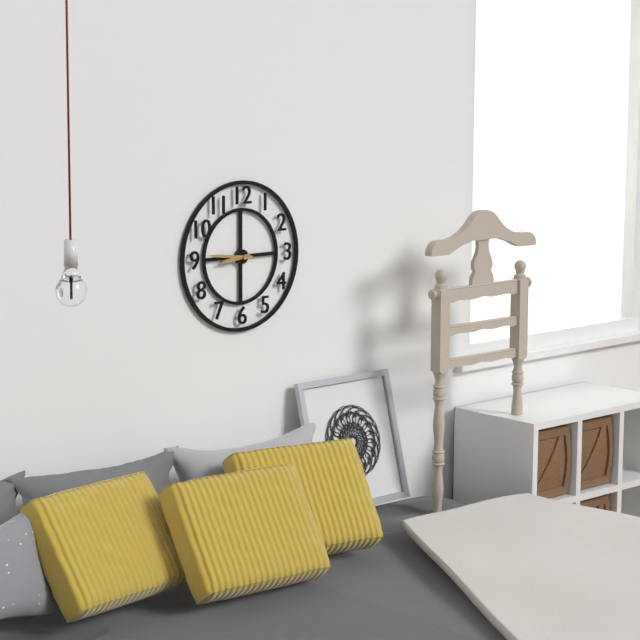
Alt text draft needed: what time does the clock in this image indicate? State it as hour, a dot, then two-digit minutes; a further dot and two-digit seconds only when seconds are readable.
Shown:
8.46
